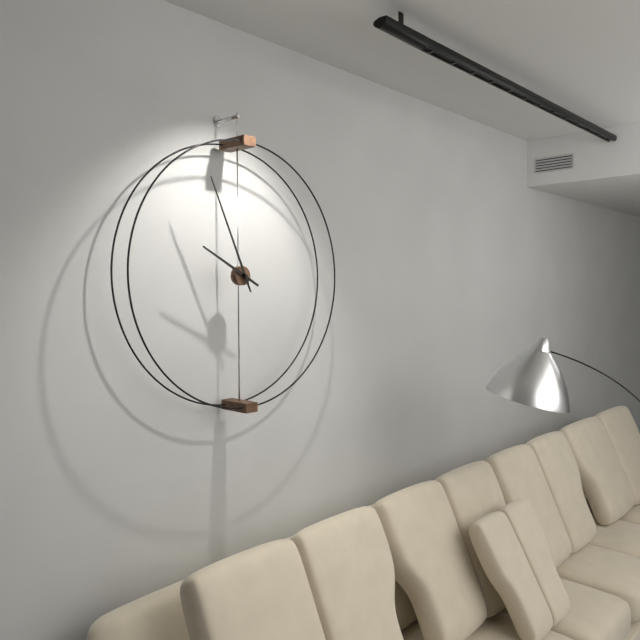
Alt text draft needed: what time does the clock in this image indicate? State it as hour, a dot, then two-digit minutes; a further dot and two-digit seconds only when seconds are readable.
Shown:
9.56
